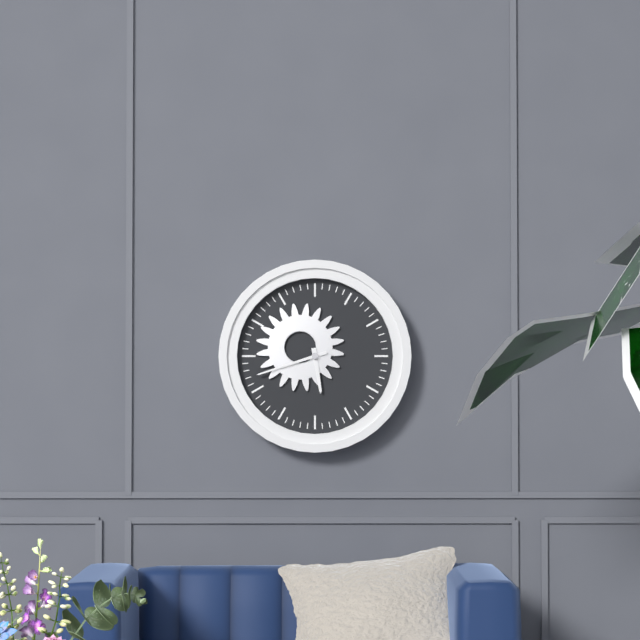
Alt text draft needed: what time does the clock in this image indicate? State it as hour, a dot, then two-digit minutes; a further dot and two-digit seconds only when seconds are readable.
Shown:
5.42
